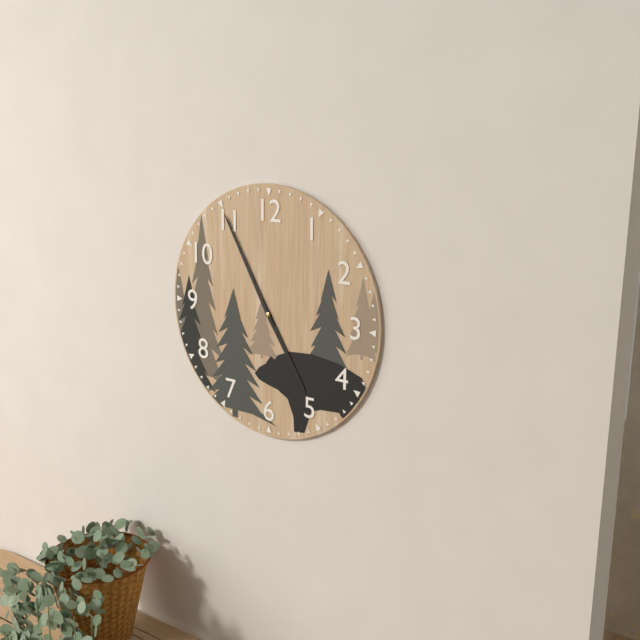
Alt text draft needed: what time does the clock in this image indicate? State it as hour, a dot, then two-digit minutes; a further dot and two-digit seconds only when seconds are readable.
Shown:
4.55
